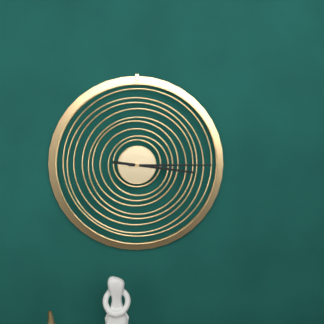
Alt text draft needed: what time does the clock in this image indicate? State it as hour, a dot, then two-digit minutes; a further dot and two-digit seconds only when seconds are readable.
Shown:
3.15
